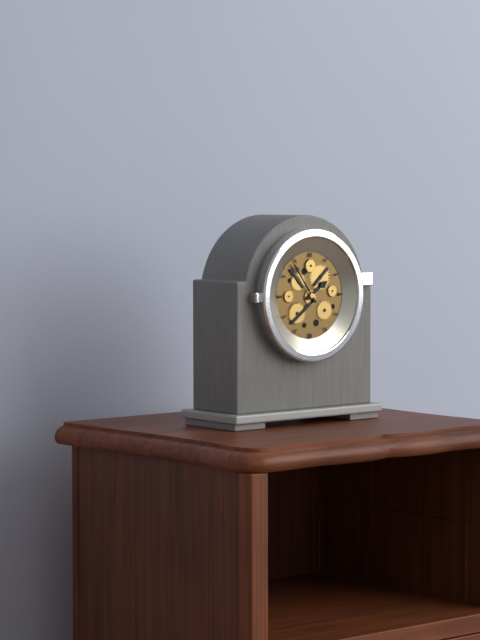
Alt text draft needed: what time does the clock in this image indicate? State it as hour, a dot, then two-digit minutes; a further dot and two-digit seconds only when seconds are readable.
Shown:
1.54
